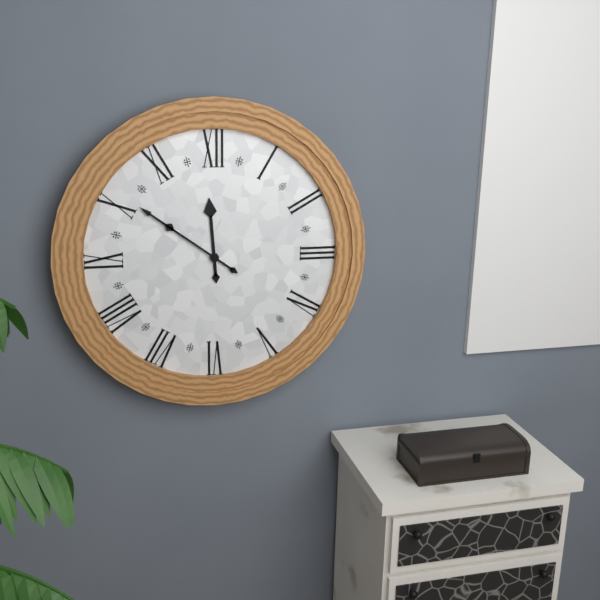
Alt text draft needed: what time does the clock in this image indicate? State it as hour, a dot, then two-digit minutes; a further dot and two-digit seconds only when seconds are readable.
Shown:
11.51
